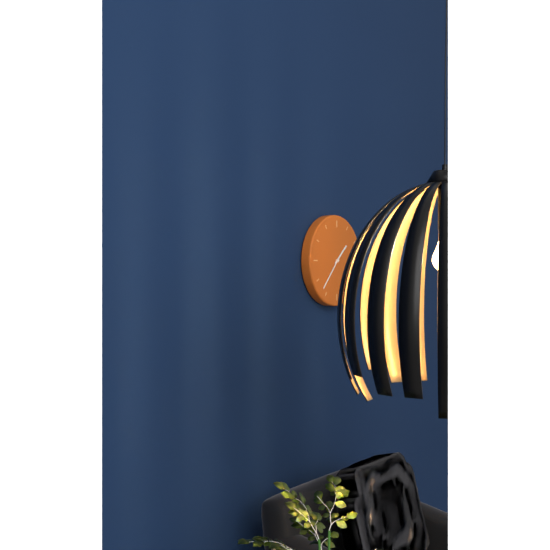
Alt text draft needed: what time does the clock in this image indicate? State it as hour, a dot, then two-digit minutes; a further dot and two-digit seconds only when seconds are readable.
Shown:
1.37
